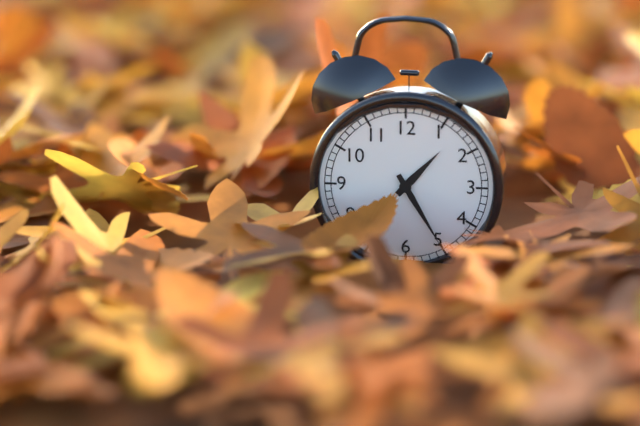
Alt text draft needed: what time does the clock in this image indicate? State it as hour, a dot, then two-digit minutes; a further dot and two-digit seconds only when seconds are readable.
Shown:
1.25
